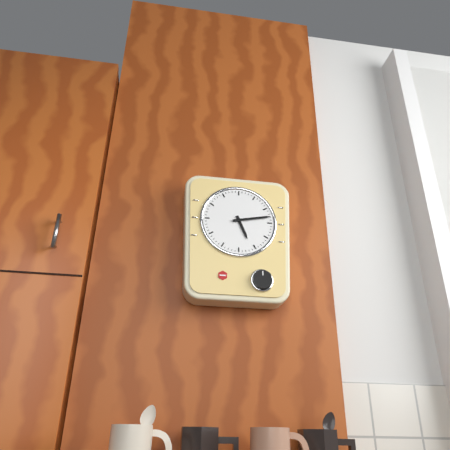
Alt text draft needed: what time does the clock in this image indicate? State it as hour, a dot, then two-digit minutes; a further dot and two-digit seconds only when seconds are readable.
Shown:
5.13
